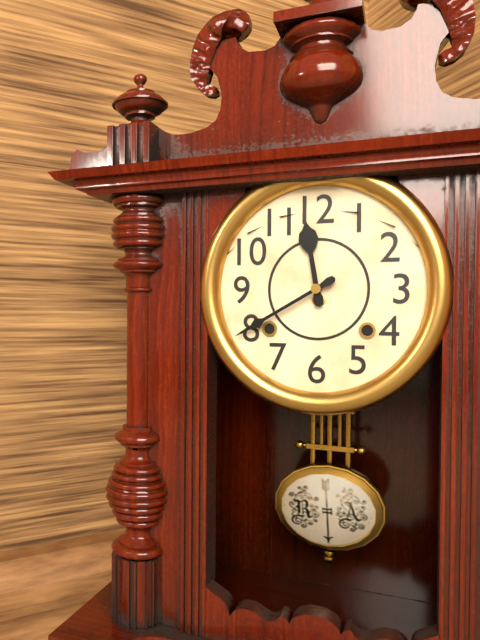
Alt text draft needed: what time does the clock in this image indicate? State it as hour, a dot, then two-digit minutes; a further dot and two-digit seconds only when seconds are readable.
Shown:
11.40
